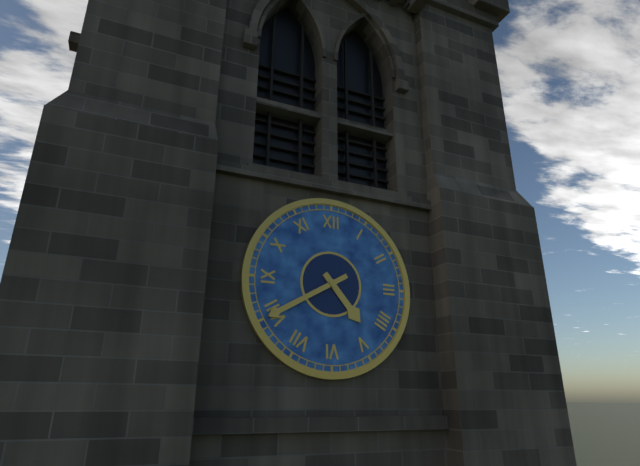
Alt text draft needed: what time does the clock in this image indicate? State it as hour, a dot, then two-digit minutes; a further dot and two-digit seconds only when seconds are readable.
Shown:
4.40
